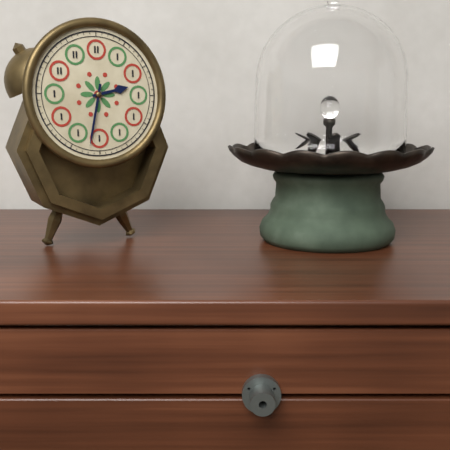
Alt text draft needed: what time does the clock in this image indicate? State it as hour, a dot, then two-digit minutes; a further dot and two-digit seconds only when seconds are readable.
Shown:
2.32
